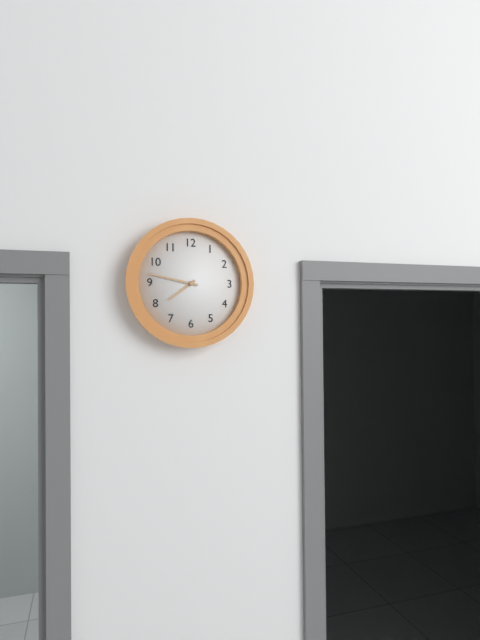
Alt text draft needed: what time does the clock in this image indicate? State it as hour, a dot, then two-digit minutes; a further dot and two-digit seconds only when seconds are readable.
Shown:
7.47
